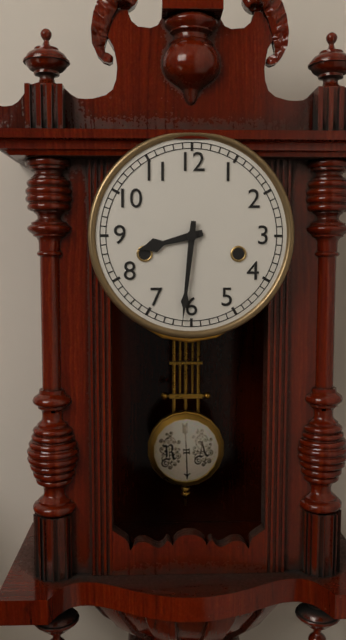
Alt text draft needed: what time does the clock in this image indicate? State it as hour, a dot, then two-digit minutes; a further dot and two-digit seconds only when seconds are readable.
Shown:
8.31
